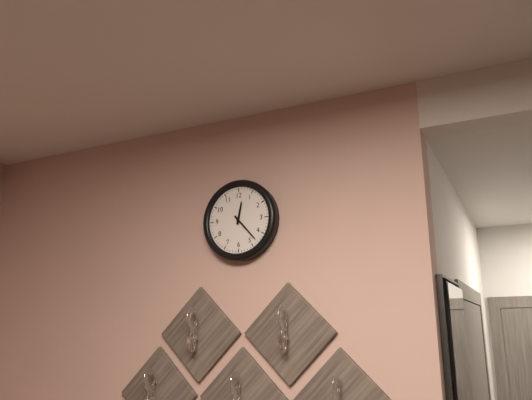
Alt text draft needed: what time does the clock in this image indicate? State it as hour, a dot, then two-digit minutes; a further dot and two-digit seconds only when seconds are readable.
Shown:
12.23
